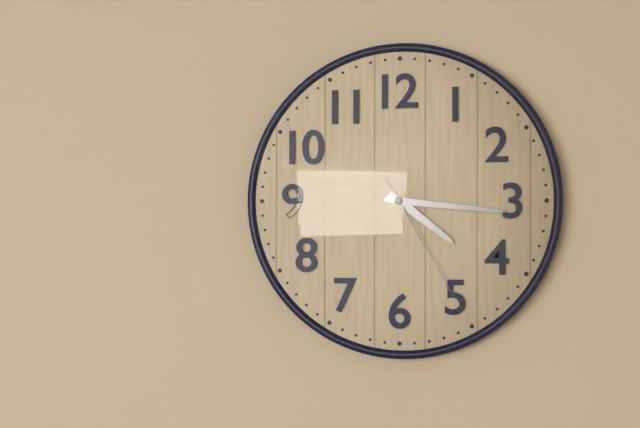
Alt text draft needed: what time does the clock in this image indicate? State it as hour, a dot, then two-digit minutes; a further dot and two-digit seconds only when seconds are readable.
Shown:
4.16.25
